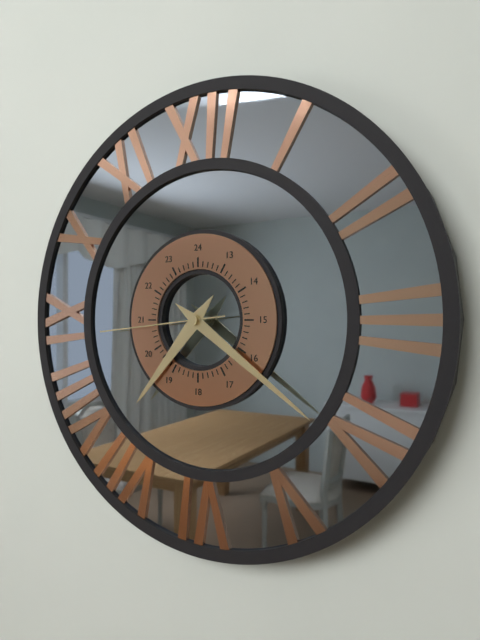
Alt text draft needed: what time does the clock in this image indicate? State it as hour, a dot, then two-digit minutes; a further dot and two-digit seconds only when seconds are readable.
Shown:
7.21.44
